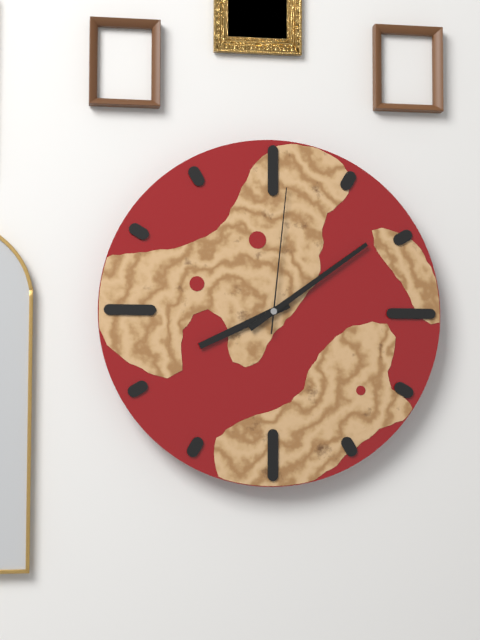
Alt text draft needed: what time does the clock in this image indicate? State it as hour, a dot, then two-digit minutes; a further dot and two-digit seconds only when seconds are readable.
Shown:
8.09.01
